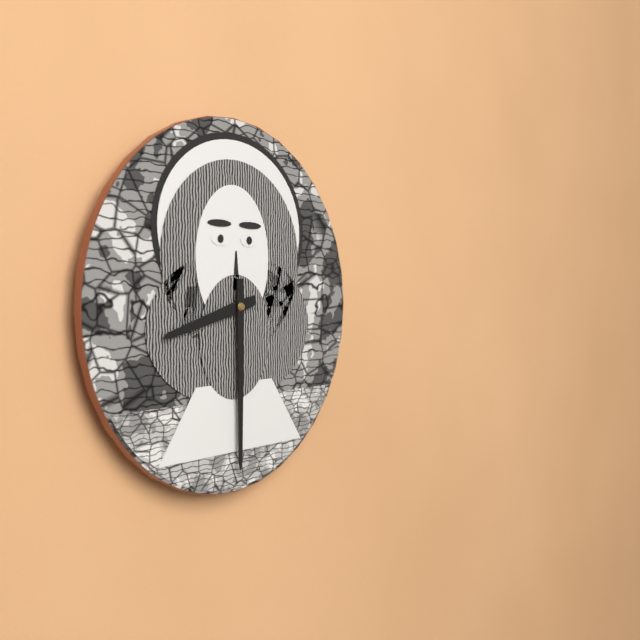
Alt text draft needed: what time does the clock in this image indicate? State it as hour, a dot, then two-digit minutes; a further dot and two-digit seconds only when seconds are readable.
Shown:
8.30
